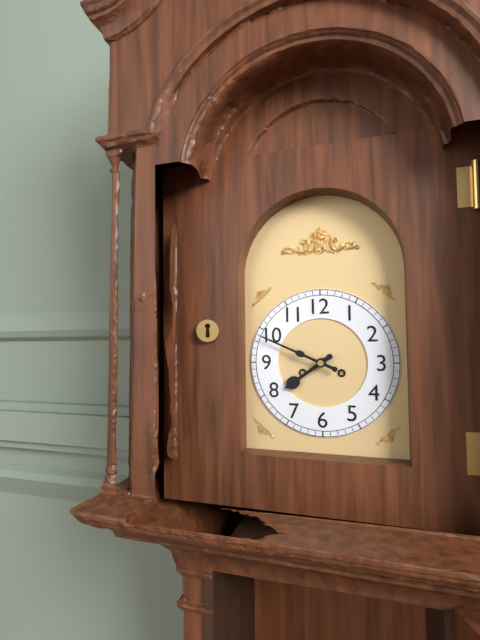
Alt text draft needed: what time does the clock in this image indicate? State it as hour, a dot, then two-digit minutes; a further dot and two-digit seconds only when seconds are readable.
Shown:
7.49
